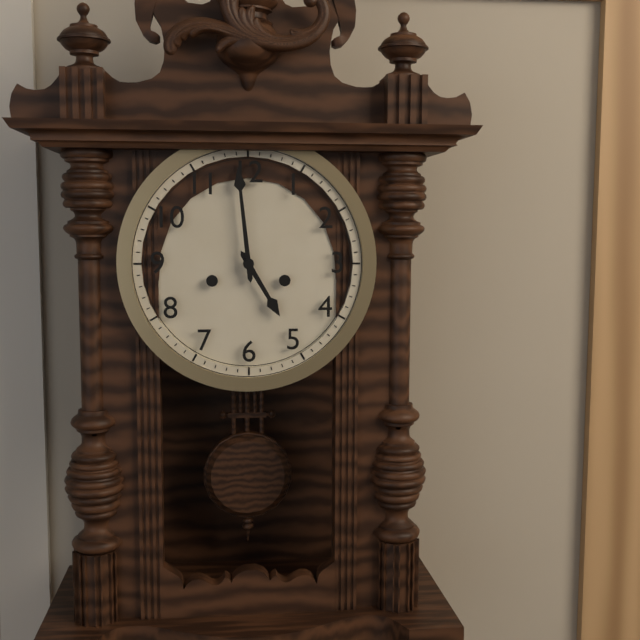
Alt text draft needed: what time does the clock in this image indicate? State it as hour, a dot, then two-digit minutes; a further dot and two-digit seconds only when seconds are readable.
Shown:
4.59
